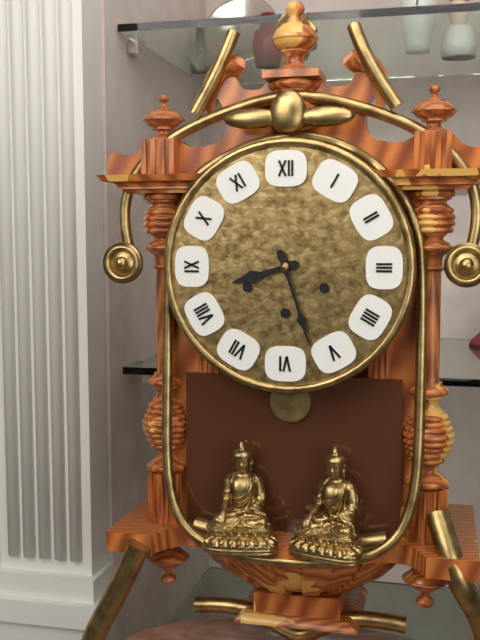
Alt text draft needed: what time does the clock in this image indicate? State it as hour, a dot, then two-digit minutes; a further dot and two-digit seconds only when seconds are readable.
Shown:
8.27
